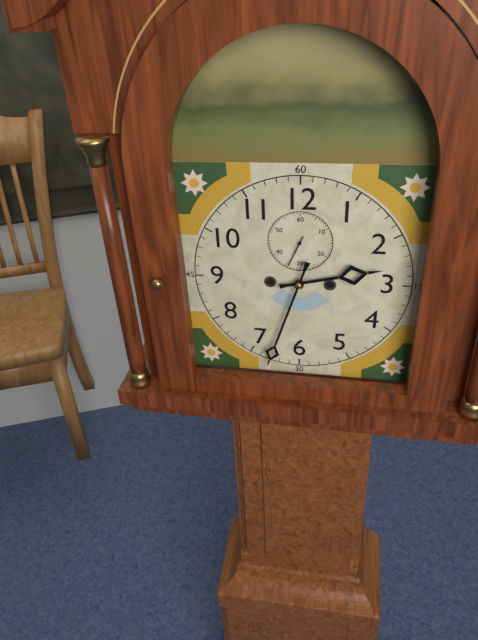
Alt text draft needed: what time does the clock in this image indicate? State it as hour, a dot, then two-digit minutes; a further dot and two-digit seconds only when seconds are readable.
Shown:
2.33
